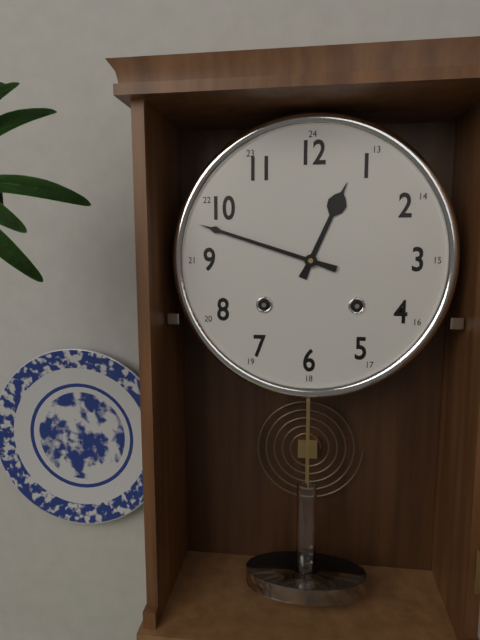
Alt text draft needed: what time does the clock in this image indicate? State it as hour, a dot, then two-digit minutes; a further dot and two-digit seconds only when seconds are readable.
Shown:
12.48
